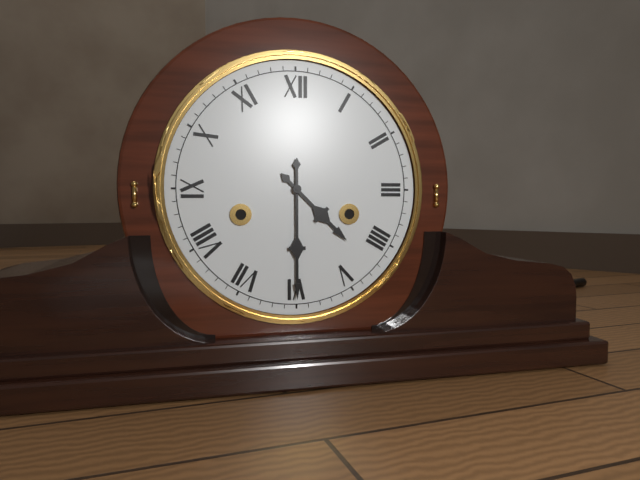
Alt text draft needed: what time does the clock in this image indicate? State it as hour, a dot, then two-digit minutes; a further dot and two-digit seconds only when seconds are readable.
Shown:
4.30
